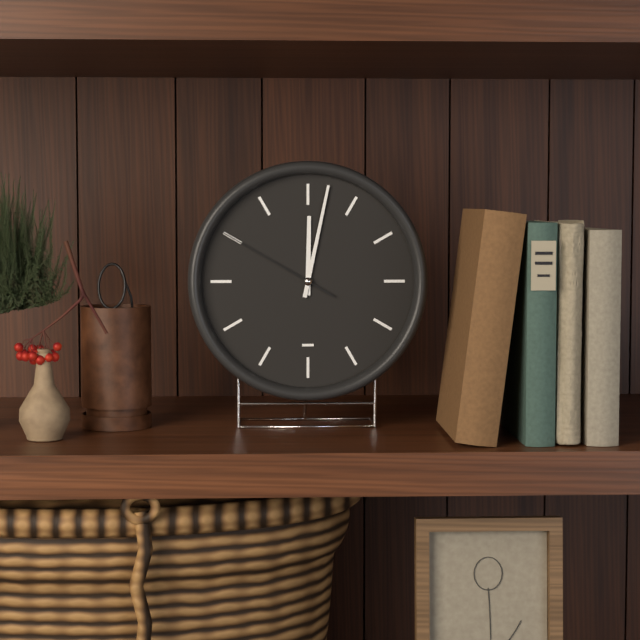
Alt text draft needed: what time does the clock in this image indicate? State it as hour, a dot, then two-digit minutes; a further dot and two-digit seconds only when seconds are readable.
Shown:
12.02.50
